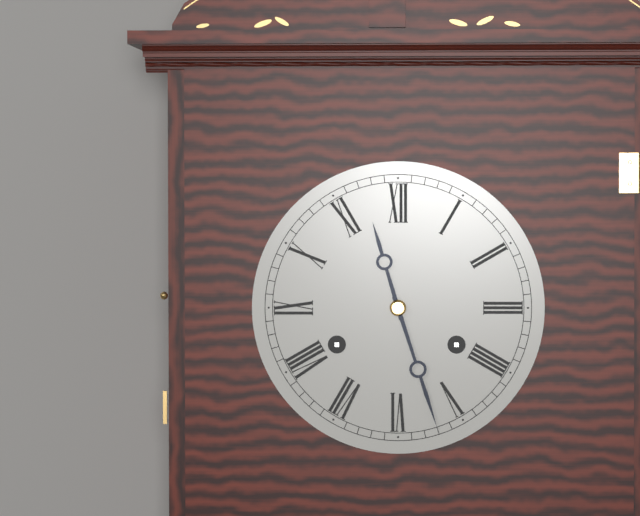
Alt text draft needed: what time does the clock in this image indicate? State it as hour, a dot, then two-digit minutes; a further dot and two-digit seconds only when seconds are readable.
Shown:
11.27
